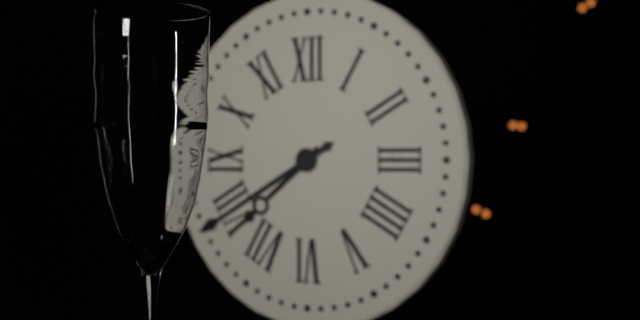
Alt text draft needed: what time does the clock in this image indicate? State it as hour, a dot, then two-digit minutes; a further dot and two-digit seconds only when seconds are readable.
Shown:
7.40
